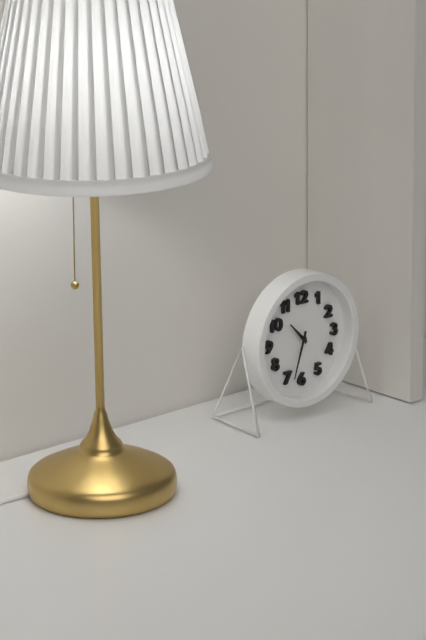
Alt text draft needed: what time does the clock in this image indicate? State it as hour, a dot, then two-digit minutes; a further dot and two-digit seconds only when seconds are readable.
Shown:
10.33
